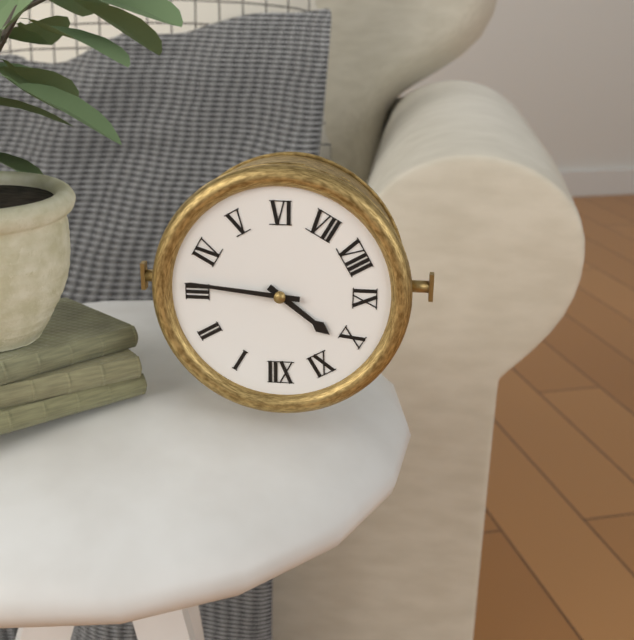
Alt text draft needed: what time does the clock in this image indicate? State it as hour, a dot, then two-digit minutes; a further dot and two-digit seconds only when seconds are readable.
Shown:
10.16
